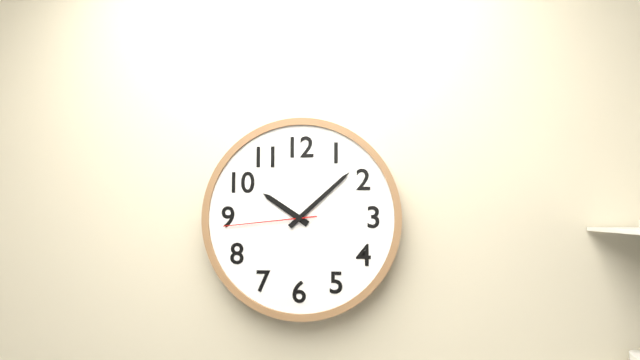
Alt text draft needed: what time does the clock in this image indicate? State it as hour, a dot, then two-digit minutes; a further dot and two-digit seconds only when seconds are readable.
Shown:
10.08.44
